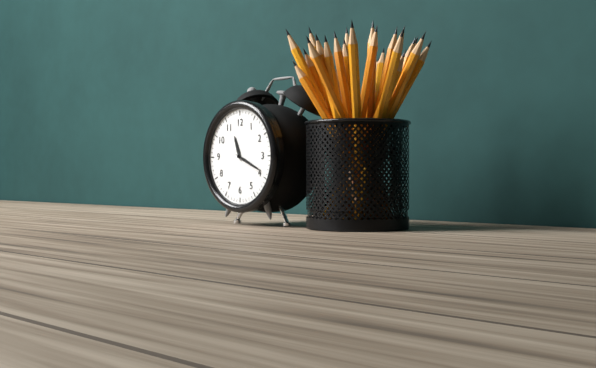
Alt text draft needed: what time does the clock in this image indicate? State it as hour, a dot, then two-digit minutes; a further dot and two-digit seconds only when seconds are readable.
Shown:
11.19
